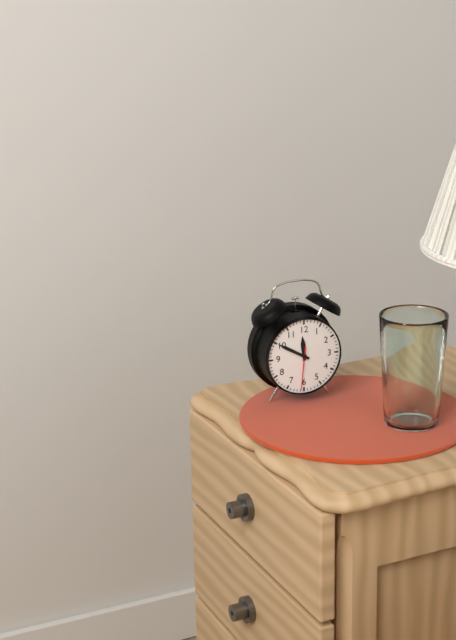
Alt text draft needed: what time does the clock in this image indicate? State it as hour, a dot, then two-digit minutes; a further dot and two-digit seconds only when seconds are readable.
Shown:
11.50
